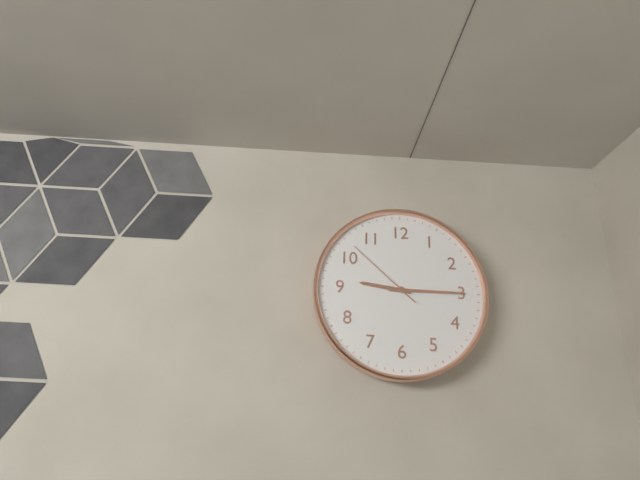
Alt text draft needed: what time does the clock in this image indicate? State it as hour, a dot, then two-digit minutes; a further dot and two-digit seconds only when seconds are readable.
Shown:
9.15.52
